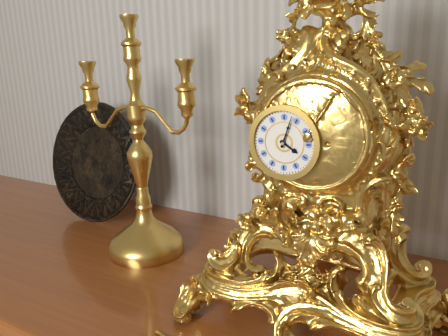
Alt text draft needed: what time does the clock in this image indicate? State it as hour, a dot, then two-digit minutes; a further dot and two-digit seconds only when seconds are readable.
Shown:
4.03
